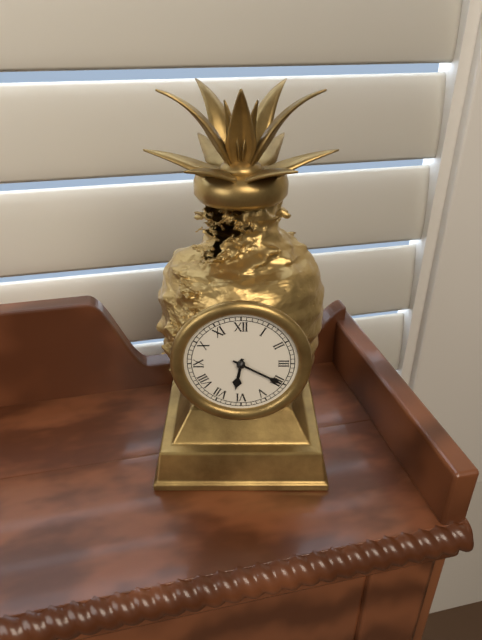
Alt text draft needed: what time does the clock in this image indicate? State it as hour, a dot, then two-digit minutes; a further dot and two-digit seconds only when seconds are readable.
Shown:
6.20
